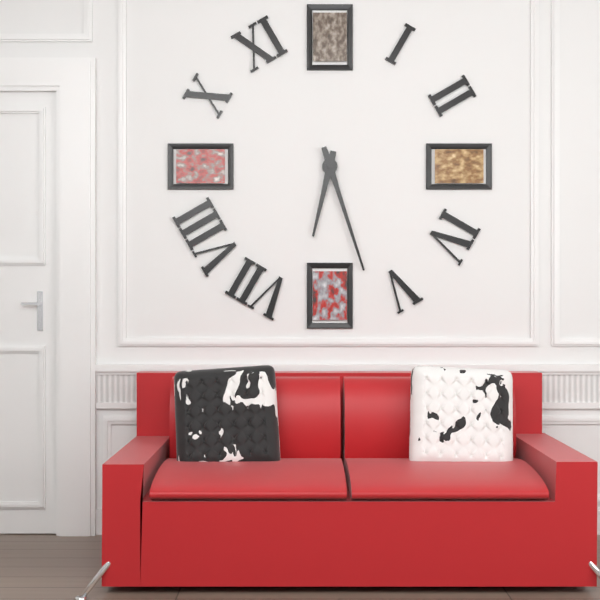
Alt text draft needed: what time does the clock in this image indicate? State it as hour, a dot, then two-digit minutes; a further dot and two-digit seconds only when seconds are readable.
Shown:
6.27
